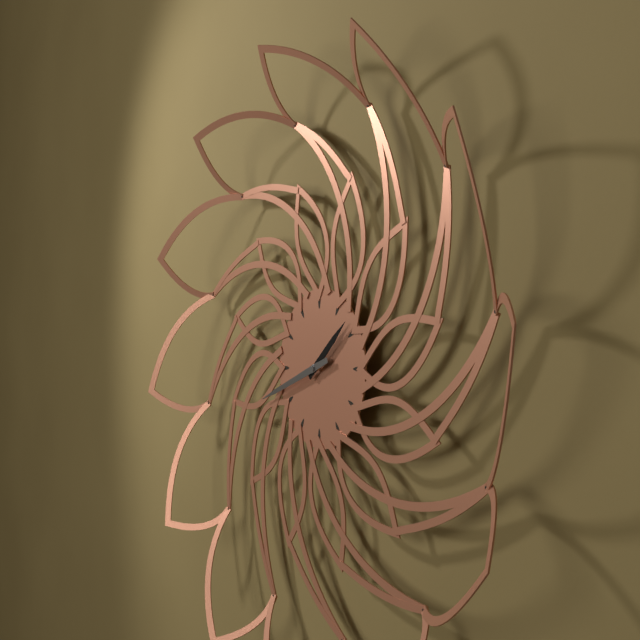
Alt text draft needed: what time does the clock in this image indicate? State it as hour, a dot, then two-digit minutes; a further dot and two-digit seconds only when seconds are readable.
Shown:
1.42
